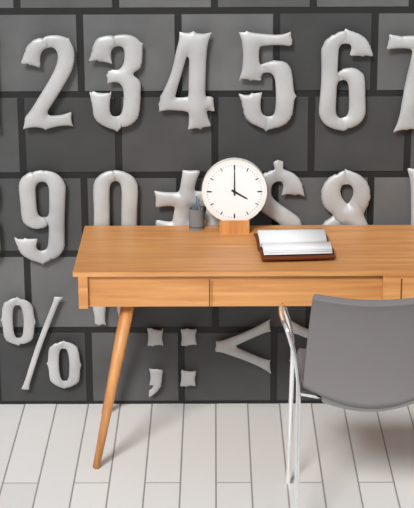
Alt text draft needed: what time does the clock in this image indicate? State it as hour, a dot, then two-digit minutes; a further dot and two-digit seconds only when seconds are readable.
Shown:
4.00
